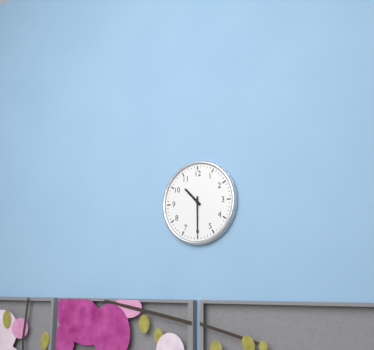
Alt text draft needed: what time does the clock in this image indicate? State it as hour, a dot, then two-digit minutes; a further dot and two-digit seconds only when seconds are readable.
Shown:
10.30
